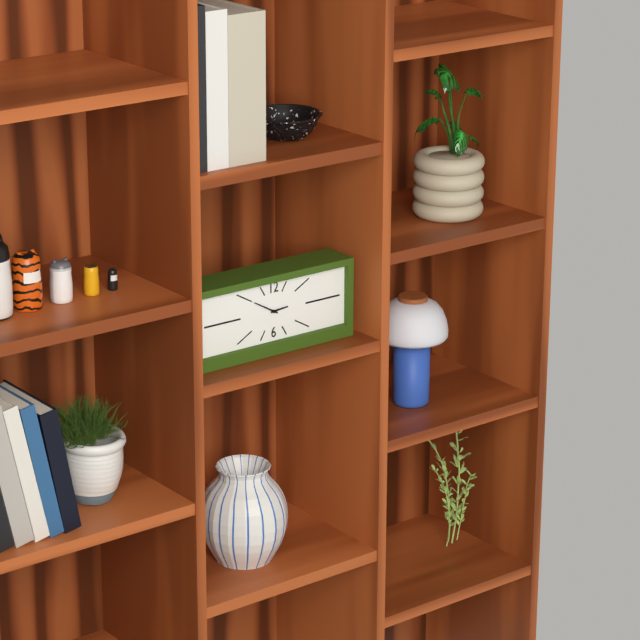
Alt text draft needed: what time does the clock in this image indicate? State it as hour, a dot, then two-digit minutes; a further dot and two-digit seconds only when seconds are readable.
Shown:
2.50
